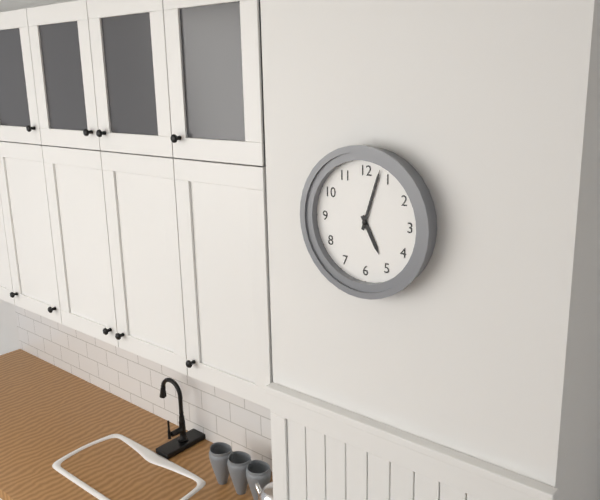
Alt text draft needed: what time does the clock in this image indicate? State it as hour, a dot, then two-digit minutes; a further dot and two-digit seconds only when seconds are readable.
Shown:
5.03
